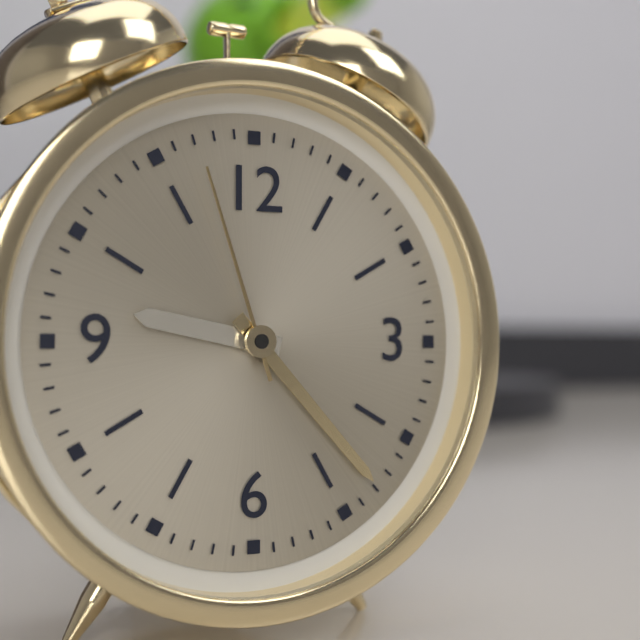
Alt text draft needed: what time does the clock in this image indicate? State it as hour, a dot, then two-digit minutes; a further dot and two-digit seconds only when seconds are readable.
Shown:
9.23.57
